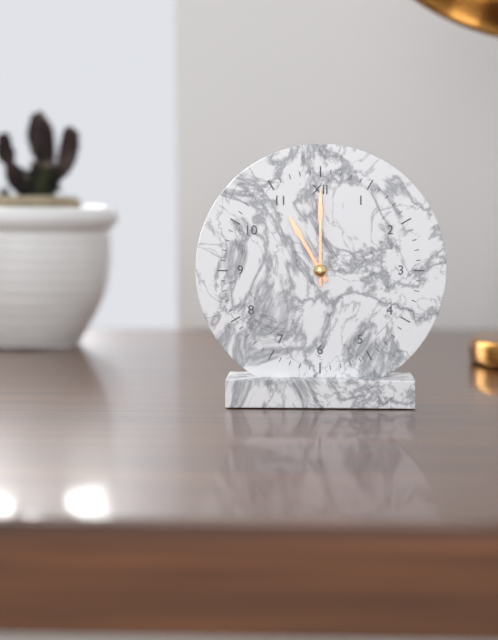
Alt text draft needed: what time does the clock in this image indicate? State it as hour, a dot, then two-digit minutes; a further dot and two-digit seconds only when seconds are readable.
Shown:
11.00
